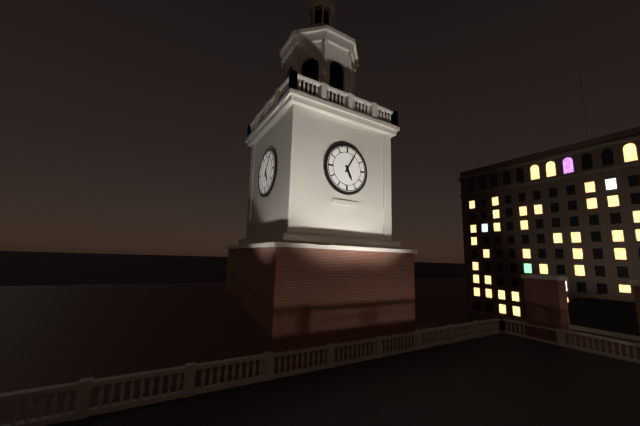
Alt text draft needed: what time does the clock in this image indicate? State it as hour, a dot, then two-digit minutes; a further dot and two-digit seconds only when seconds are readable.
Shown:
5.05
